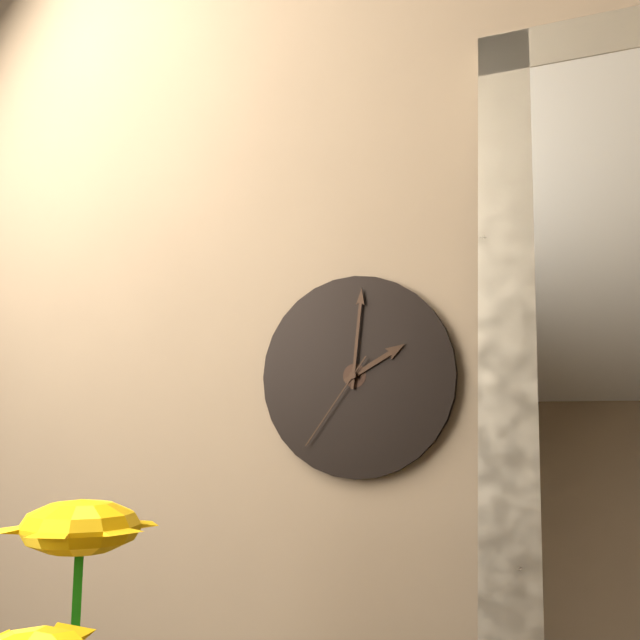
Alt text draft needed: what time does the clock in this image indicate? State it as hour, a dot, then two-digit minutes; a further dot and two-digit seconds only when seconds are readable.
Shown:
2.01.36
